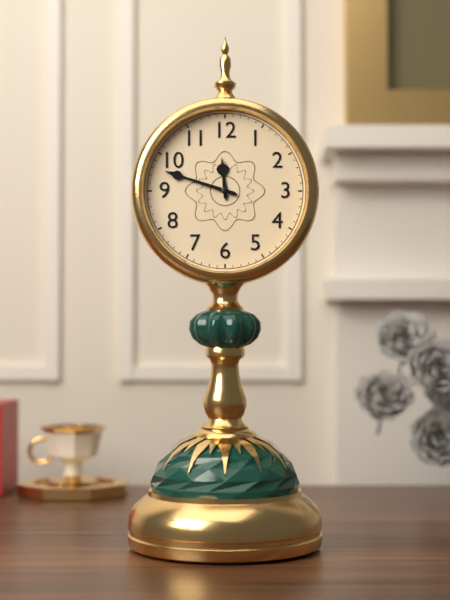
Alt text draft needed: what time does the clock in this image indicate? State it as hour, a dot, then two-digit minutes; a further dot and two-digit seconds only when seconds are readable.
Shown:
11.48
